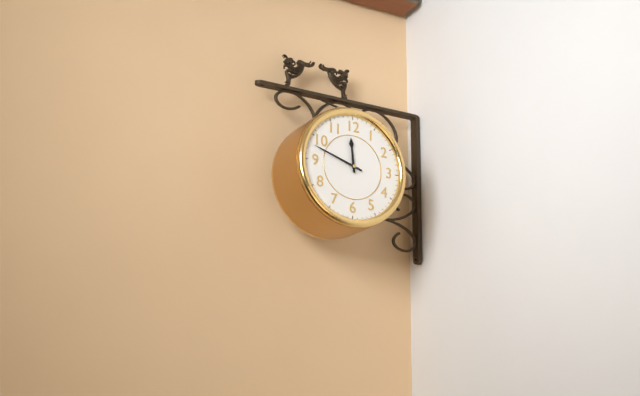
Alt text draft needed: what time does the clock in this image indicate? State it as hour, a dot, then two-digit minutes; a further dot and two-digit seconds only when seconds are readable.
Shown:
11.48
